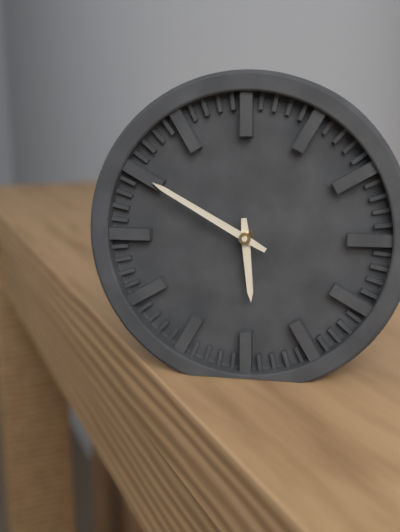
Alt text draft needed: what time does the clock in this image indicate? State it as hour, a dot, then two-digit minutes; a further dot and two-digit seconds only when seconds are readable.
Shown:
5.50
